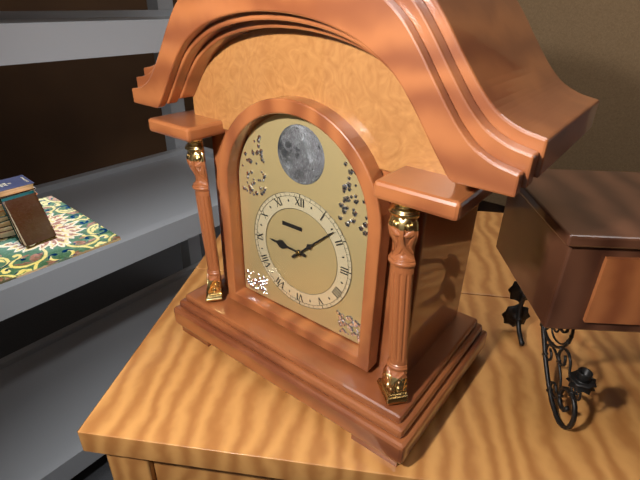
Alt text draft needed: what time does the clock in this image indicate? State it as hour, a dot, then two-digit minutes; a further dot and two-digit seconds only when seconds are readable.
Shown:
9.08
